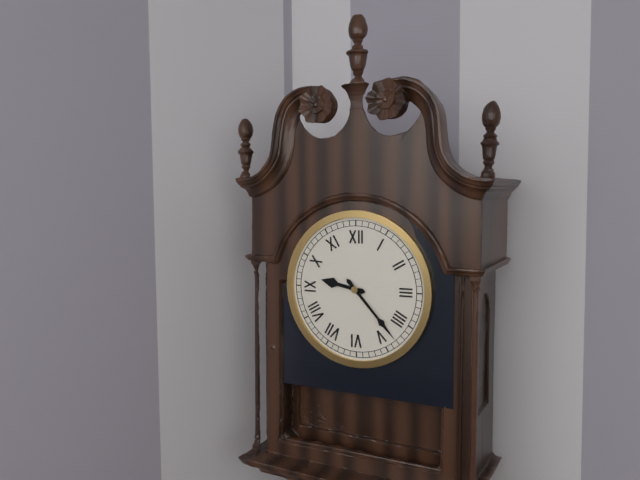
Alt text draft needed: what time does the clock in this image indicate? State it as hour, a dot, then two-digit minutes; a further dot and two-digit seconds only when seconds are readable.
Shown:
9.23
